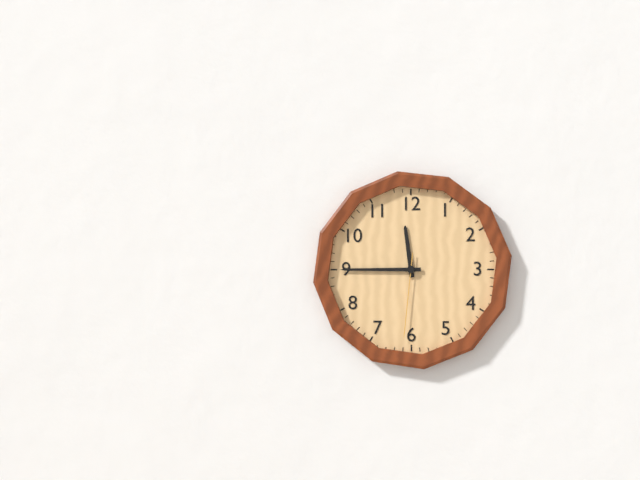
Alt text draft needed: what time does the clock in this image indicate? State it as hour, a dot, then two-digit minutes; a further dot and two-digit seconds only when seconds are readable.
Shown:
11.45.31
